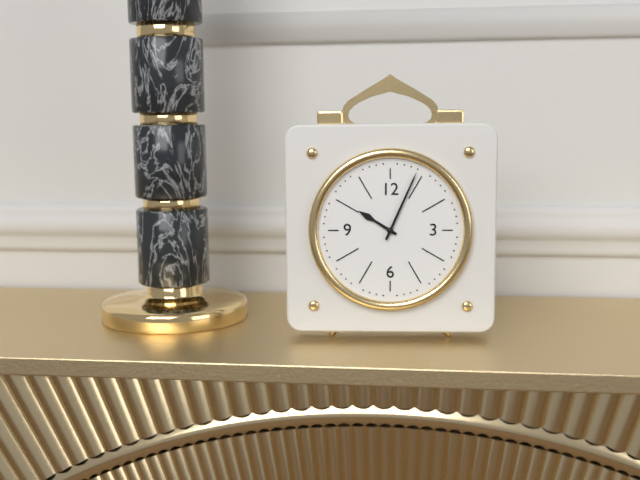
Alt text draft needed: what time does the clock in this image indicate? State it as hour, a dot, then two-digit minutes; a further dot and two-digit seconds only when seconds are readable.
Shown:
10.04
